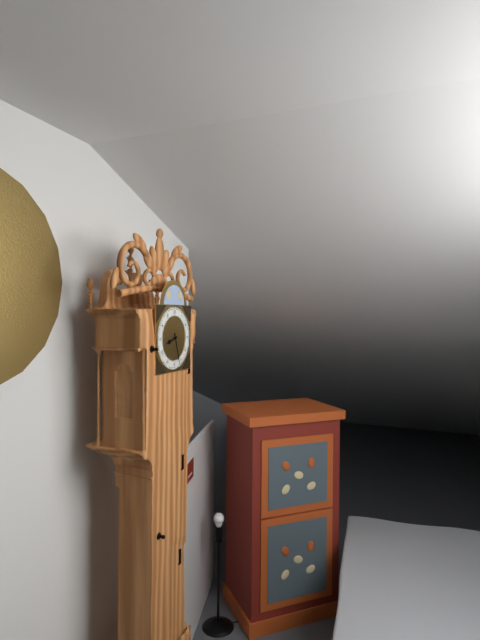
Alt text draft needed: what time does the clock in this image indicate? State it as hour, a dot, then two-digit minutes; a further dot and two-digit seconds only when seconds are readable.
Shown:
8.27
